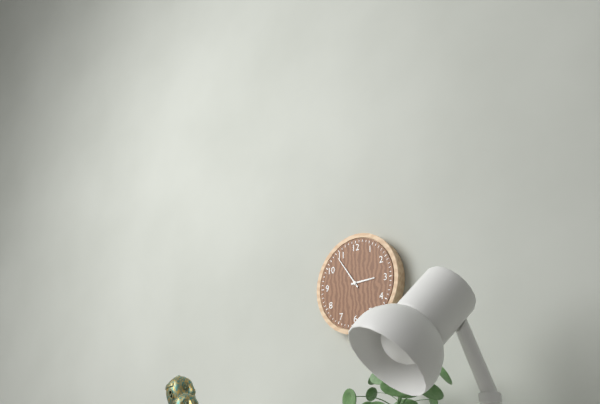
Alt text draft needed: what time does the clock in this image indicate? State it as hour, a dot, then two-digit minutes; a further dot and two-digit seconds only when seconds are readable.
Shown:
2.54
